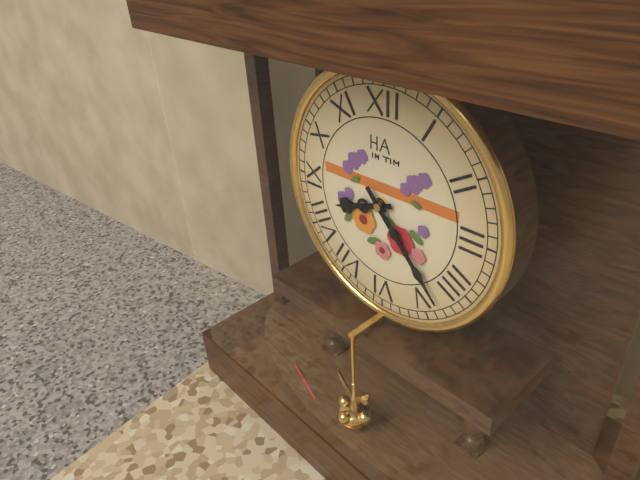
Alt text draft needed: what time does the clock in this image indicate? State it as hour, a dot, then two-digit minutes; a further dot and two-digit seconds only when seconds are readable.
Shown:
8.23
